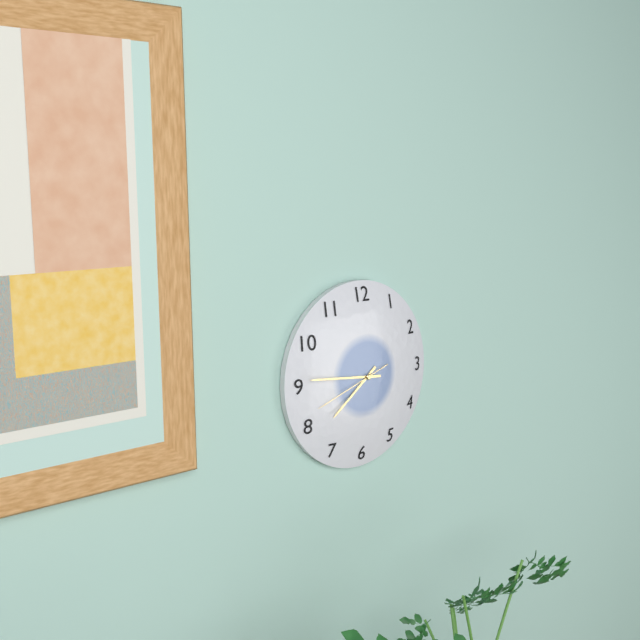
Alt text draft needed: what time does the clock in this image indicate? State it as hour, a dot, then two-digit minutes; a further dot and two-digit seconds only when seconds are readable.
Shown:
7.46.42
